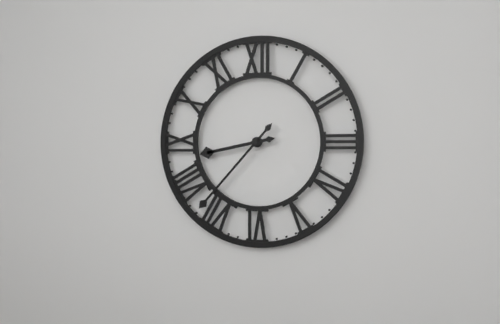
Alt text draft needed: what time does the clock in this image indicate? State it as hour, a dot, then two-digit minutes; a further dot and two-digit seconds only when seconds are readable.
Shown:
8.37
